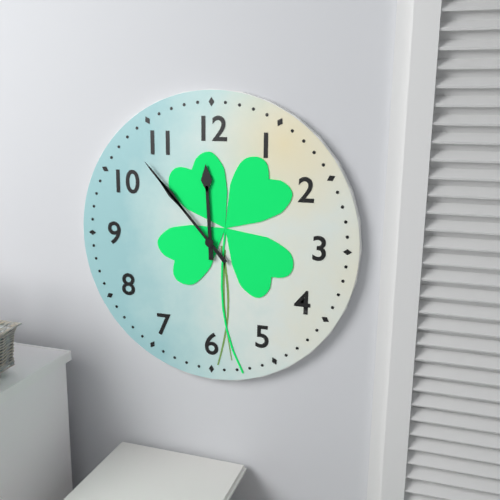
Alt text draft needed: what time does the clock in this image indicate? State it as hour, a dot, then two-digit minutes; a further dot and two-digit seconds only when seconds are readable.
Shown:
11.53
